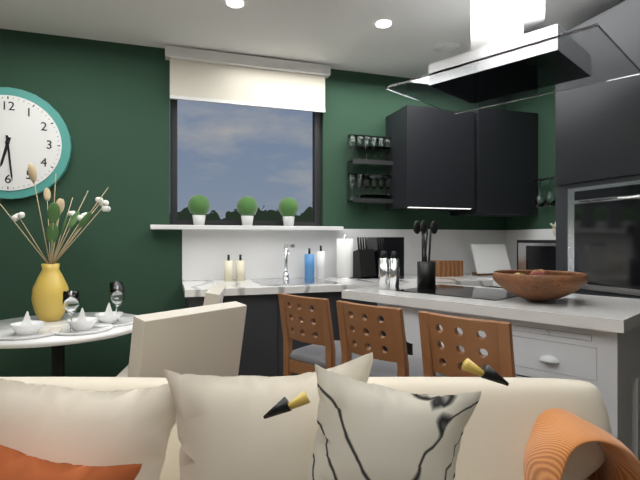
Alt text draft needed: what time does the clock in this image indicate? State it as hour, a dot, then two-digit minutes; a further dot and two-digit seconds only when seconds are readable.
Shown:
6.29
